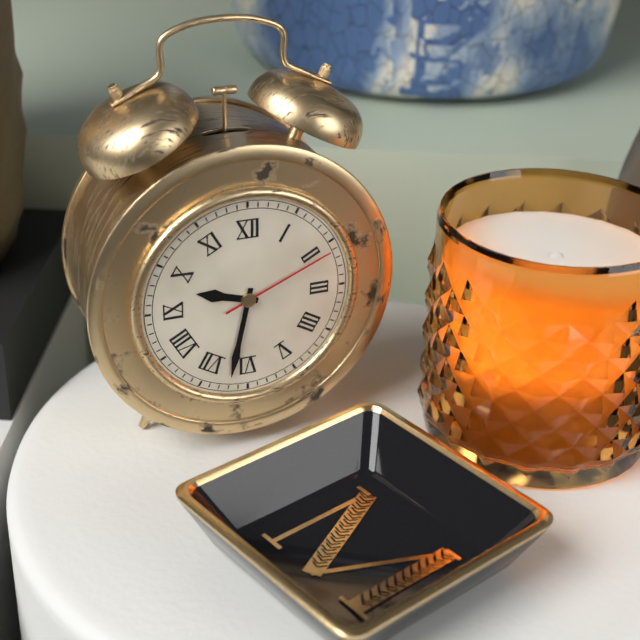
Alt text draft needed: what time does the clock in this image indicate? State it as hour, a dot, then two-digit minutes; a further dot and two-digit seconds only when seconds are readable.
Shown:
9.32.11
